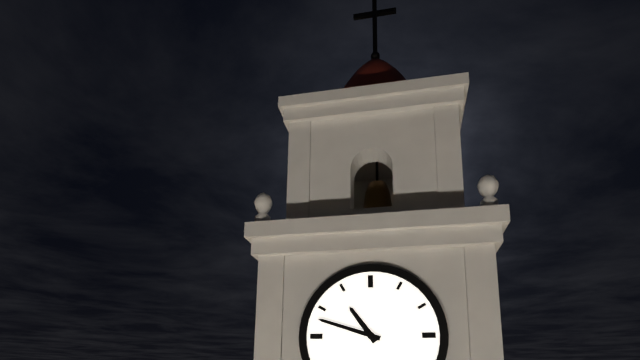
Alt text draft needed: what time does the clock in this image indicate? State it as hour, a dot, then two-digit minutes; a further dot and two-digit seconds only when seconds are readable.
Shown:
10.48
